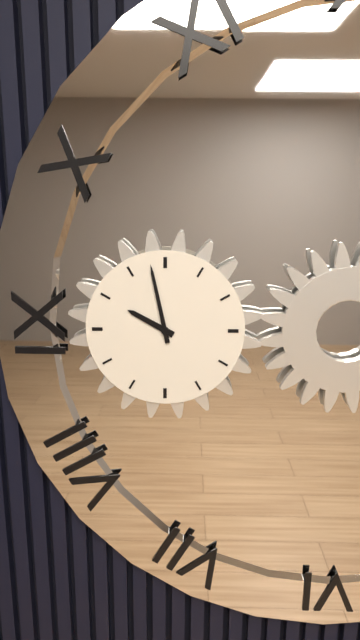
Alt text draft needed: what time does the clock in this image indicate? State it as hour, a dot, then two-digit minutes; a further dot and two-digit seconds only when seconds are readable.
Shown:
9.58
